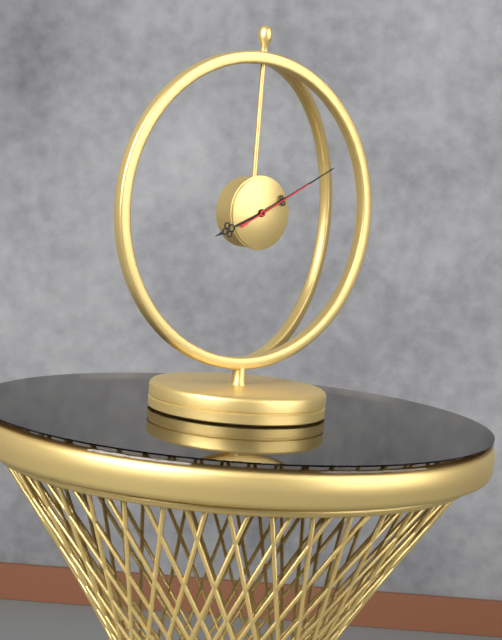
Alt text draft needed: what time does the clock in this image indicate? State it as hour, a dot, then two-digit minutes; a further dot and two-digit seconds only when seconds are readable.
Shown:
8.10.10
